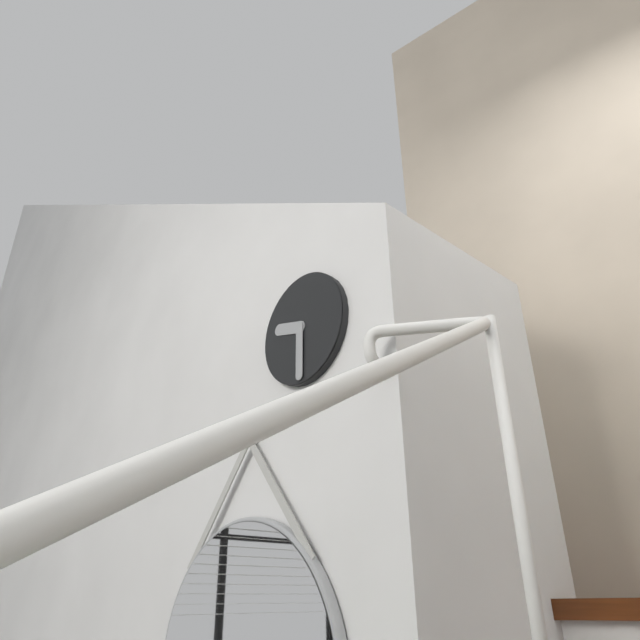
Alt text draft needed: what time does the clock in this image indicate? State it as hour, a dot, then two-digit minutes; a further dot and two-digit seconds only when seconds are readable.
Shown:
9.30
